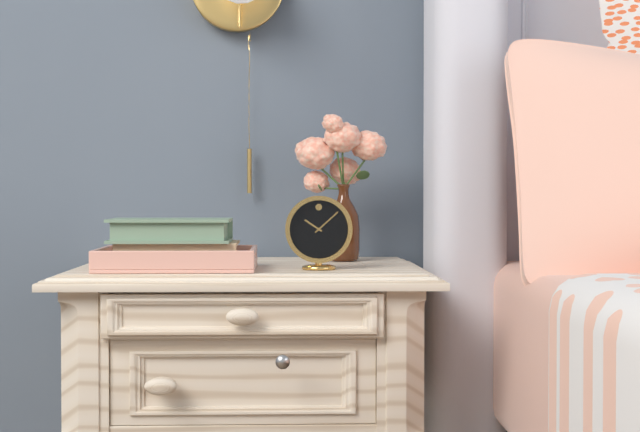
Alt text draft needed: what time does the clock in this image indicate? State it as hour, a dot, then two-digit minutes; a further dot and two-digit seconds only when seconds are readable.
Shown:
10.08
